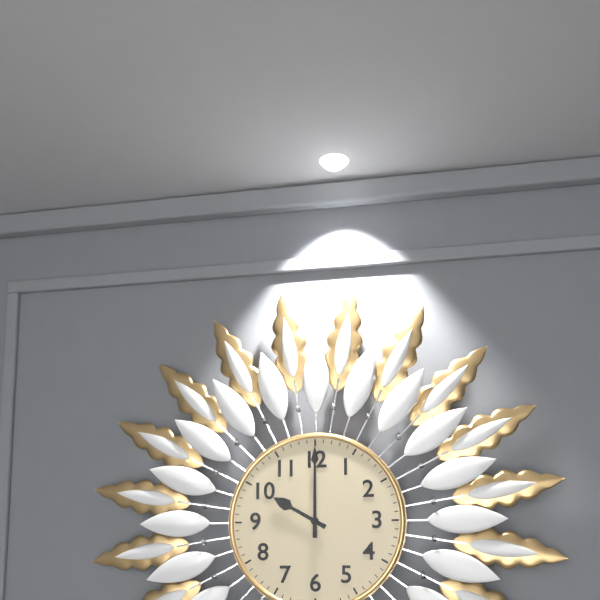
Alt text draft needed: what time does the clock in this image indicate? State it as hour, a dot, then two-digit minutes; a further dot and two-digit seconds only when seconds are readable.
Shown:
10.00
